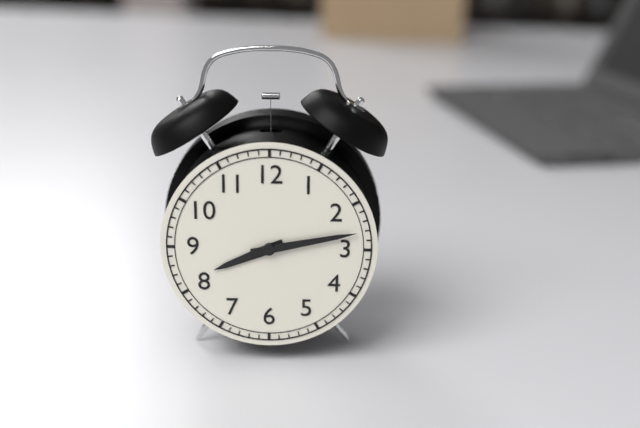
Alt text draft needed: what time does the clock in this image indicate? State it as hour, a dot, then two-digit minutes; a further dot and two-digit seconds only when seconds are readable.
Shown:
8.13
